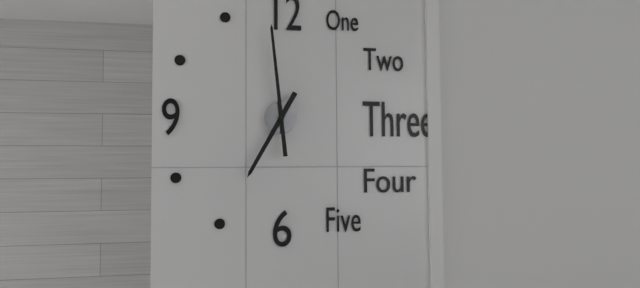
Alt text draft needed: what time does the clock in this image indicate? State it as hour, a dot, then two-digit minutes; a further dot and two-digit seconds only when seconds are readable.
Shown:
6.59
